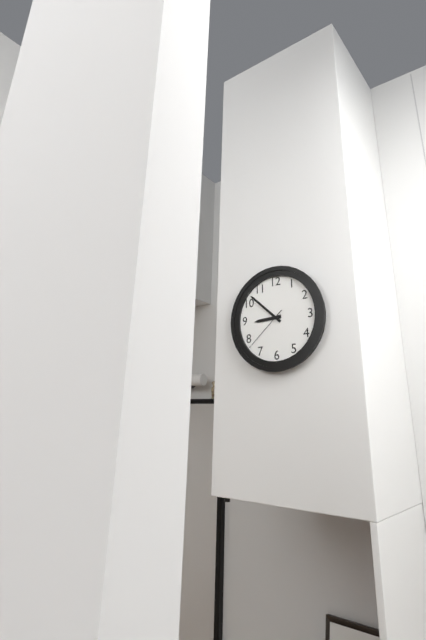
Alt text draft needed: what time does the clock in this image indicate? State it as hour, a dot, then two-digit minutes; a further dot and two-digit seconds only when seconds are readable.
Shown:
8.52.38
